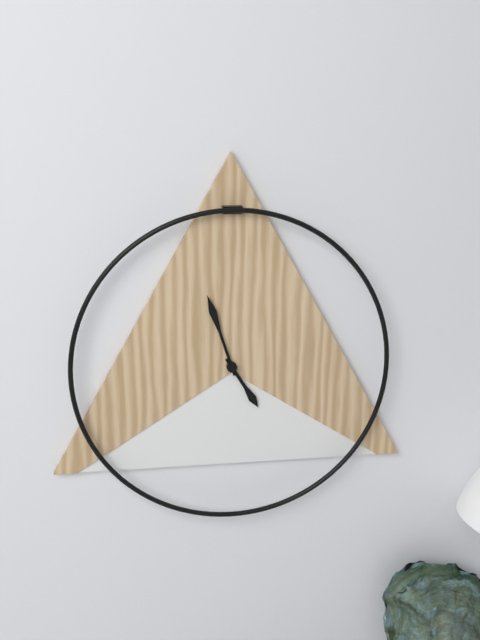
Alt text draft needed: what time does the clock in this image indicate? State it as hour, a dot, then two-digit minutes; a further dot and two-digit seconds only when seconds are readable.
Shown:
4.57
